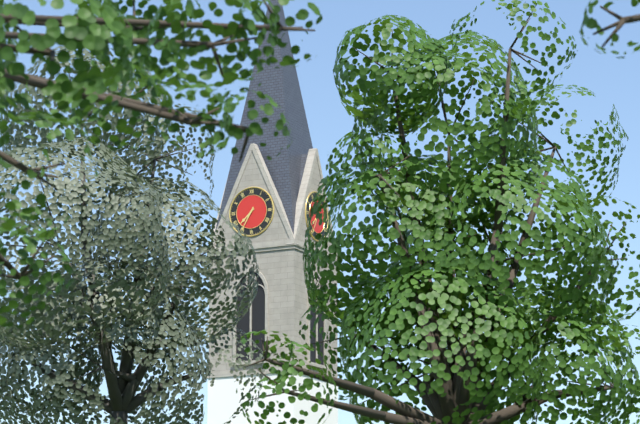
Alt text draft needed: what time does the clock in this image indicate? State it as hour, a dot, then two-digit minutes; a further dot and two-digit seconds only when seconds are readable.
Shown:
7.35
